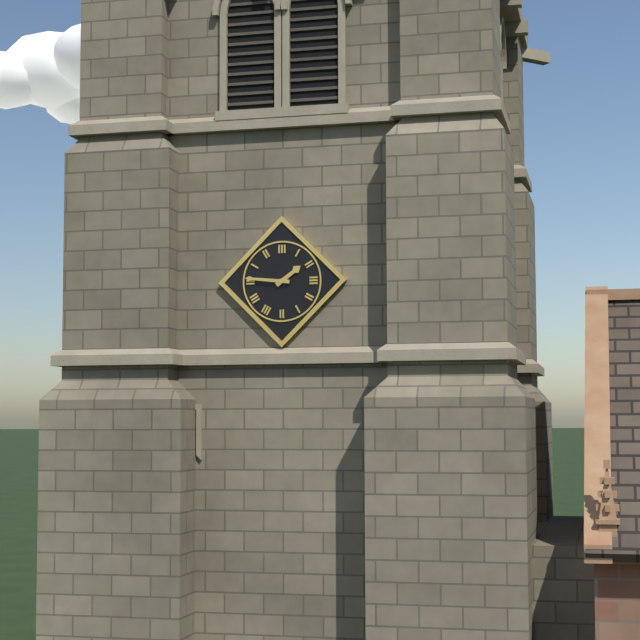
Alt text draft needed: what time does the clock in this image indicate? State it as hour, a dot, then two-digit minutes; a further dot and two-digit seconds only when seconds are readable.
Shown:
1.46
